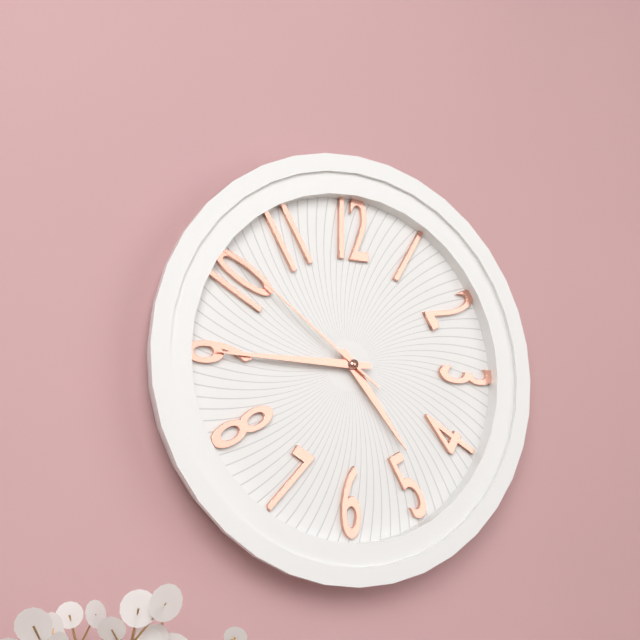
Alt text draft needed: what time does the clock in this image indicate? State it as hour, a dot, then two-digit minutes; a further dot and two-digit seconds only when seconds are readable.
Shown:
4.45.51
